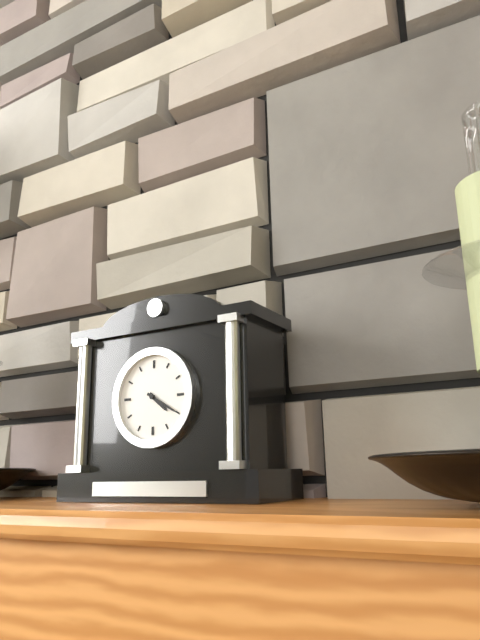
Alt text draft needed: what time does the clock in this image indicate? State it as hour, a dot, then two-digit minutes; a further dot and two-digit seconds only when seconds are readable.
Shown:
4.20
